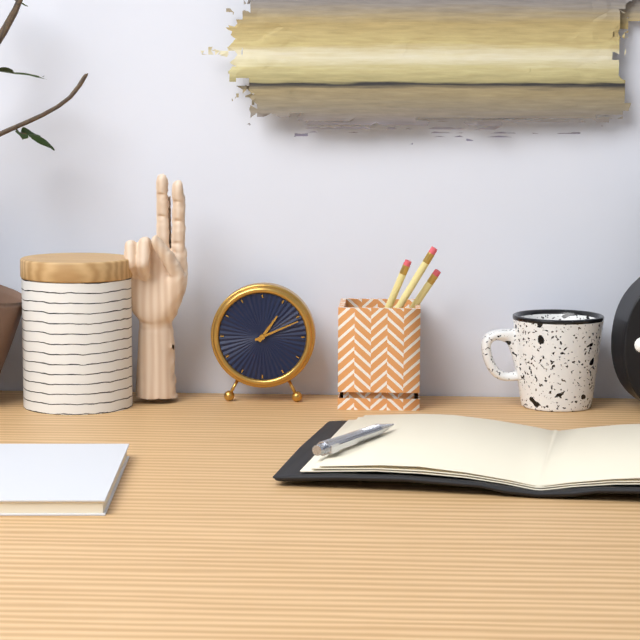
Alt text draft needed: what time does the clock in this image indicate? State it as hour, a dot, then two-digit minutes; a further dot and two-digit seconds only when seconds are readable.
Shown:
1.11
